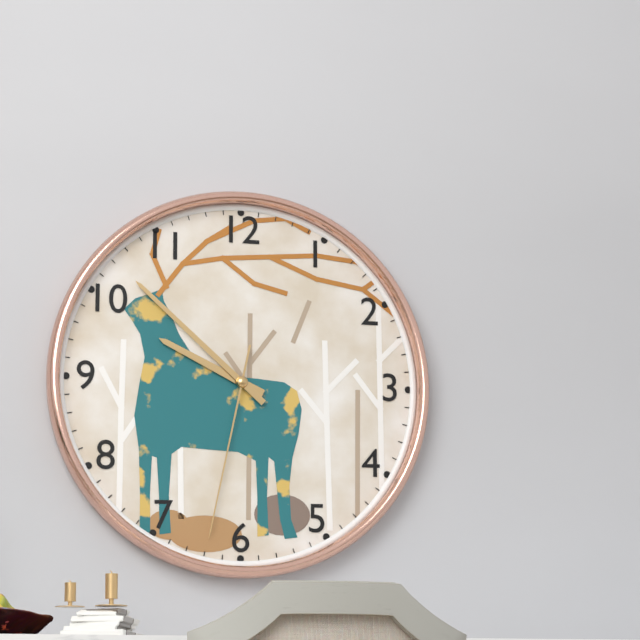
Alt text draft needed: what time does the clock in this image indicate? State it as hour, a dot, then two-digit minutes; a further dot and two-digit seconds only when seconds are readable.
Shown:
9.52.32
